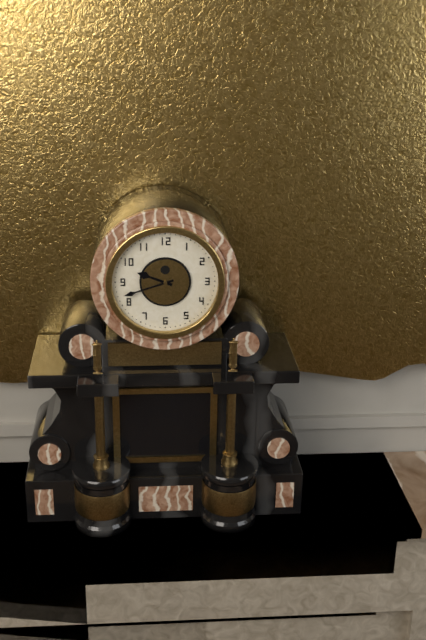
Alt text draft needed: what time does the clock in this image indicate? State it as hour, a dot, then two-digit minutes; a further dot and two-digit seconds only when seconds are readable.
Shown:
9.42
